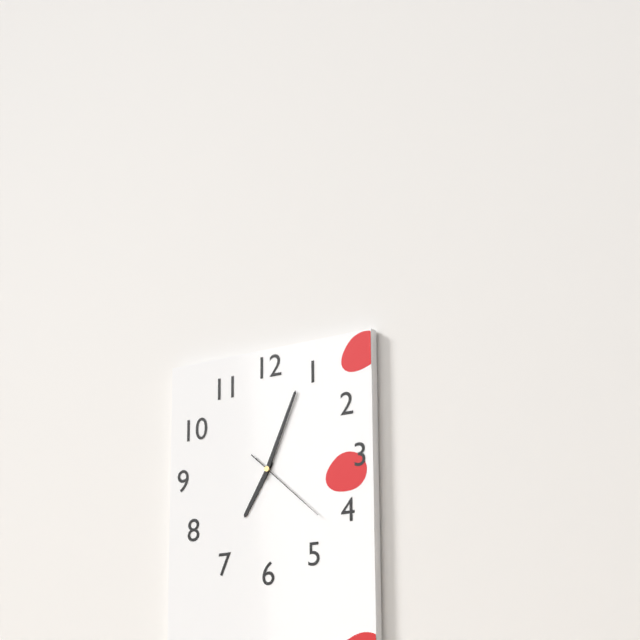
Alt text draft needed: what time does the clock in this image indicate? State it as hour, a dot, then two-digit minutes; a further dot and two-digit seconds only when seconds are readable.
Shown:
7.04.22
